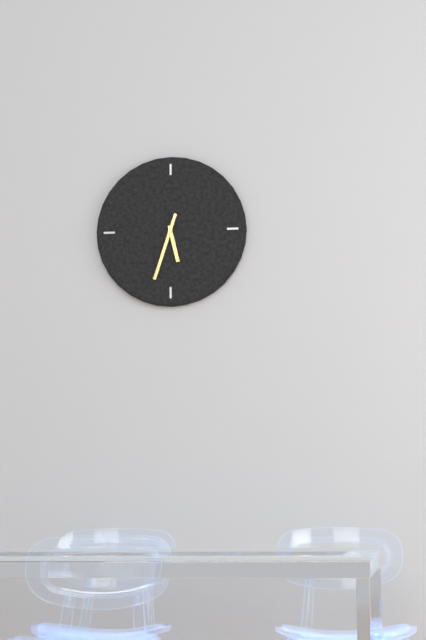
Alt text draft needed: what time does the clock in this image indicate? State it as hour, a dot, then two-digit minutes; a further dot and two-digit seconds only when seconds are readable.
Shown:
5.33
